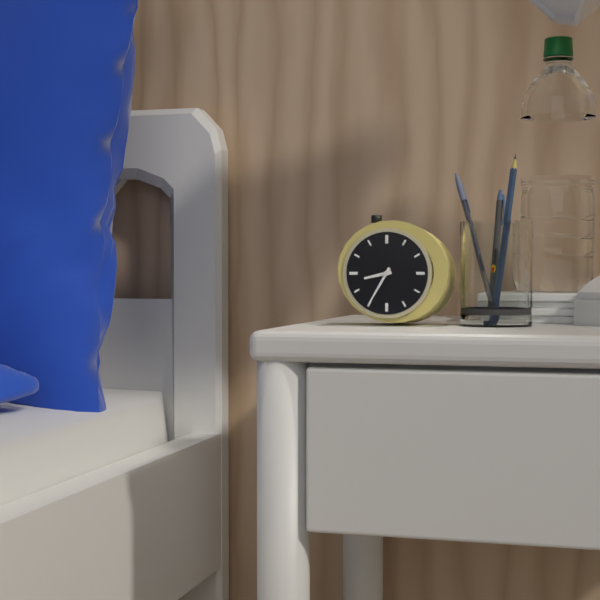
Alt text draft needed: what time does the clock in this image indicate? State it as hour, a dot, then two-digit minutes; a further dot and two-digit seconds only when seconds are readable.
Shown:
8.35
